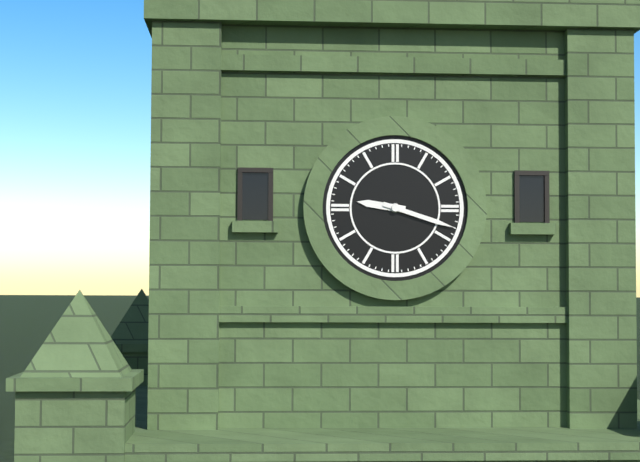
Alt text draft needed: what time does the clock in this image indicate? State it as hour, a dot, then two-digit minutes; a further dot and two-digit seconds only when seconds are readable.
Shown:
9.18
